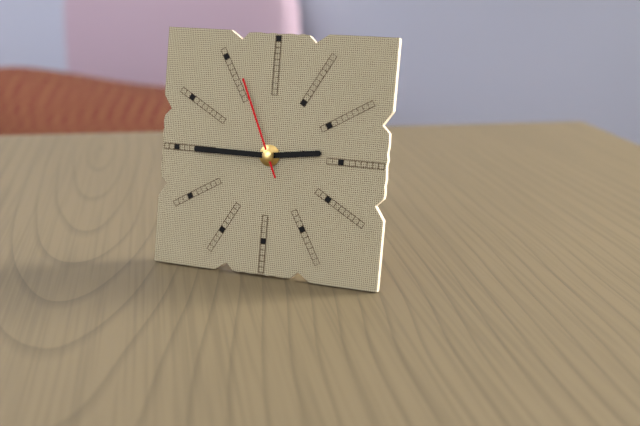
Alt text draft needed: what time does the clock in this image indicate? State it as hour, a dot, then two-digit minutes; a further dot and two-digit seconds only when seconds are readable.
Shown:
2.45.56
